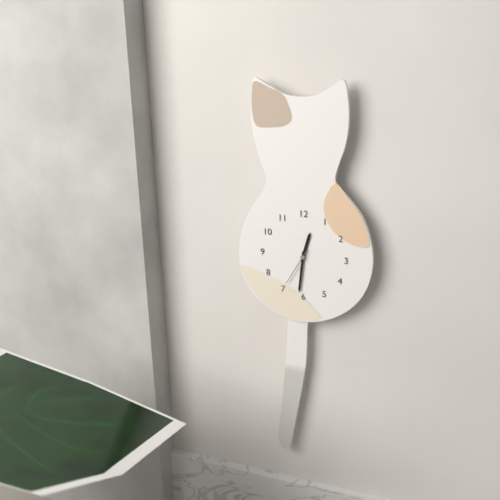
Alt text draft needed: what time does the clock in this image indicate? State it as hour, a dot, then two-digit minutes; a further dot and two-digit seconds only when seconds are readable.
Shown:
12.31
